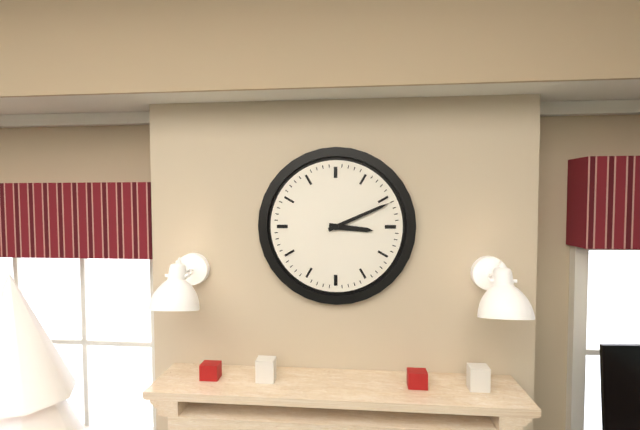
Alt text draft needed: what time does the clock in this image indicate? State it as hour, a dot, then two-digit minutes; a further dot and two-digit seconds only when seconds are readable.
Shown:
3.11
